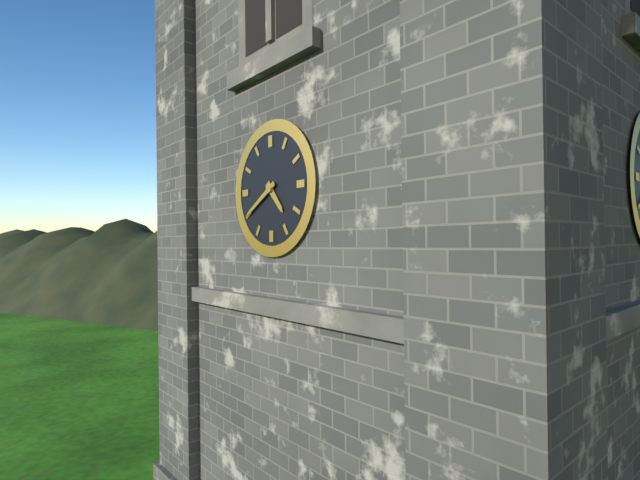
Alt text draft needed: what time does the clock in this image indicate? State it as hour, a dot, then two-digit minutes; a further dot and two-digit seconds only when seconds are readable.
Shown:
4.40
